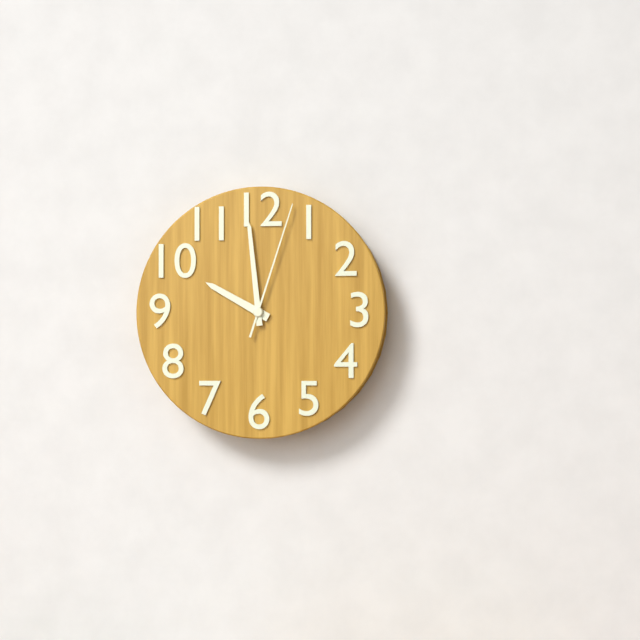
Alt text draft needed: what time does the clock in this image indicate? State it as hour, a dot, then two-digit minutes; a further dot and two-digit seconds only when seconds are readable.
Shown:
9.59.03
